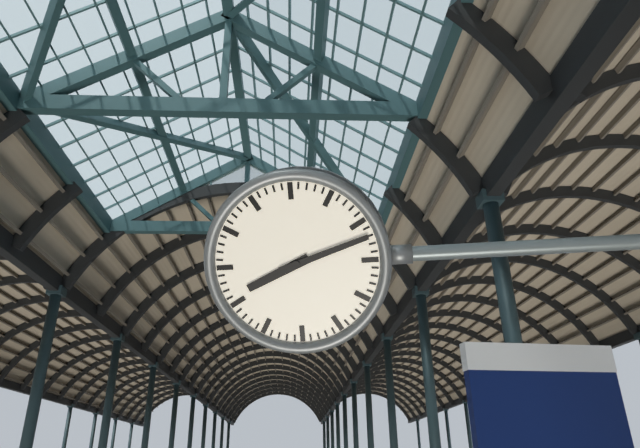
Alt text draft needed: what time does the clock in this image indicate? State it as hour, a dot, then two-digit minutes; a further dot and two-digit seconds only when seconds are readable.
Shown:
8.12
